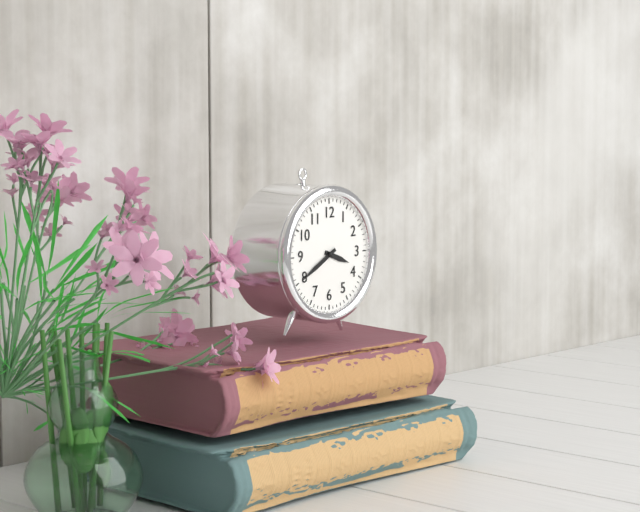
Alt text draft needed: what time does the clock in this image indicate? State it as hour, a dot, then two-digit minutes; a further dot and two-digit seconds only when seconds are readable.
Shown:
3.40
